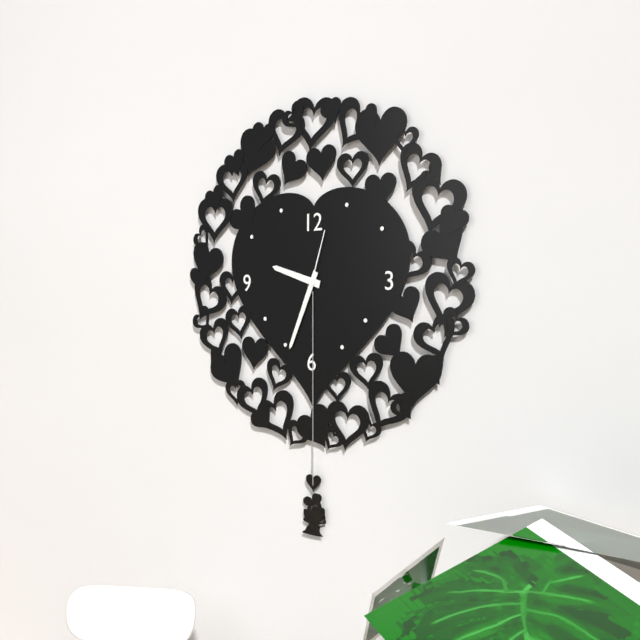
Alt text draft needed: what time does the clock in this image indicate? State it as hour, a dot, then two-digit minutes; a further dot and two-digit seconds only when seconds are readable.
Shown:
9.34.03
